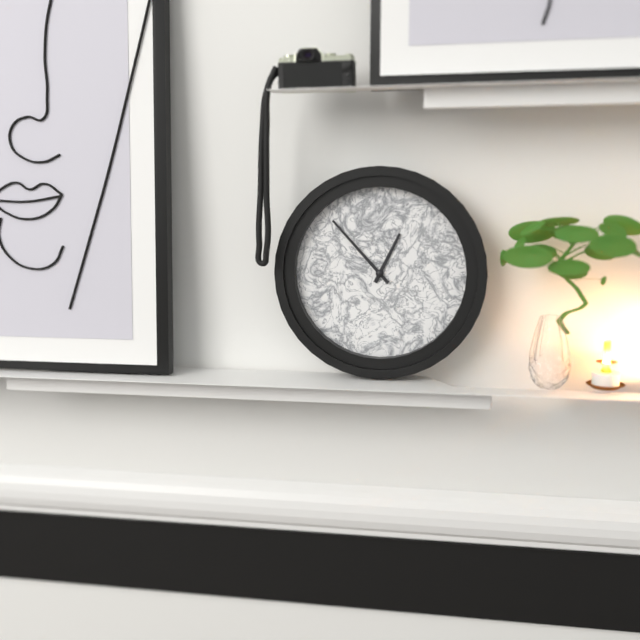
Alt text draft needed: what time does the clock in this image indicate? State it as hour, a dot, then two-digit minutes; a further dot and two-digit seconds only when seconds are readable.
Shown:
12.53
